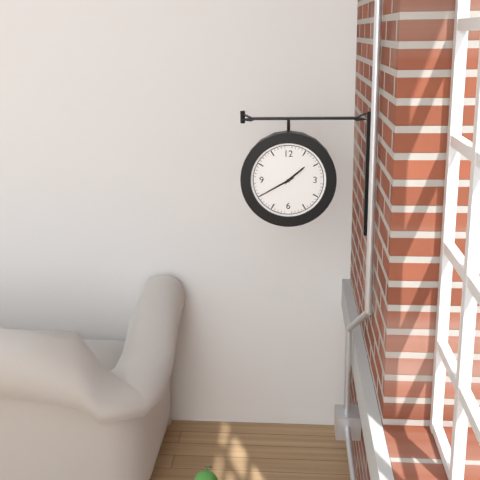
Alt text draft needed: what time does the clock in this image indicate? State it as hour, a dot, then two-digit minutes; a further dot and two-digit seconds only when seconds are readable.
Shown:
1.40
